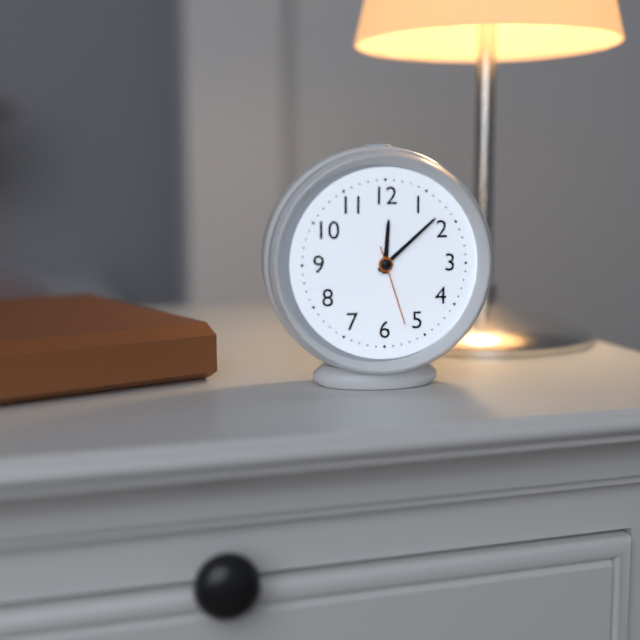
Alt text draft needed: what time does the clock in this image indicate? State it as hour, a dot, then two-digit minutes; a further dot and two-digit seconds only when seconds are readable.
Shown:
12.08.27
